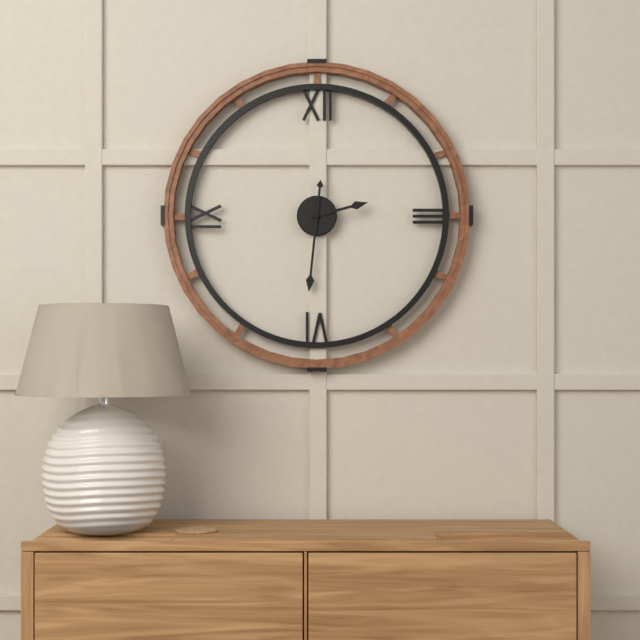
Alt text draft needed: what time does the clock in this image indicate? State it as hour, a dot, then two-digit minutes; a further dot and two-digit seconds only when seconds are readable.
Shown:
2.31
